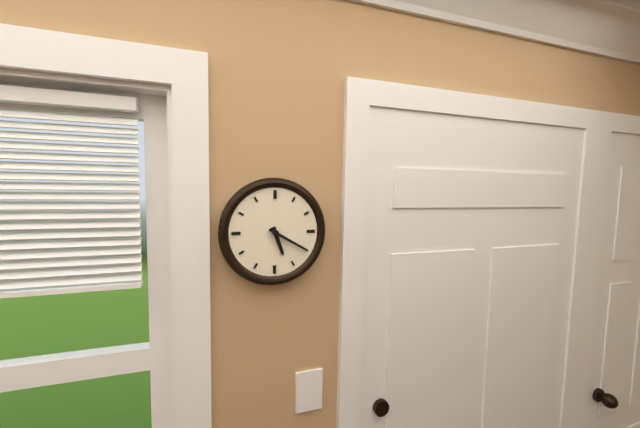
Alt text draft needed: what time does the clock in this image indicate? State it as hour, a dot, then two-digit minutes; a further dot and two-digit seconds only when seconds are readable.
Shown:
5.20
